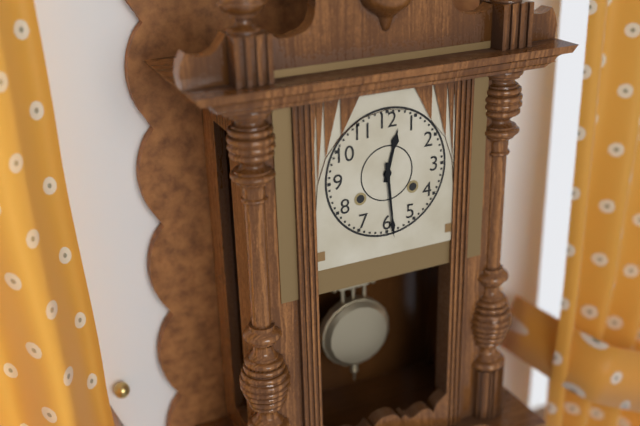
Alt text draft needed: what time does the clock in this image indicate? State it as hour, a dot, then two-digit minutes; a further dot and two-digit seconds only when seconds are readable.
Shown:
12.29
